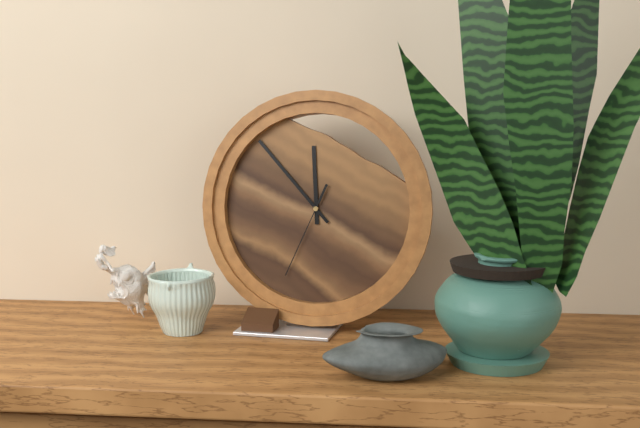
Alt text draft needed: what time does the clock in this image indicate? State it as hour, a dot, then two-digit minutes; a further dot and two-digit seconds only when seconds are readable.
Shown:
11.53.34
